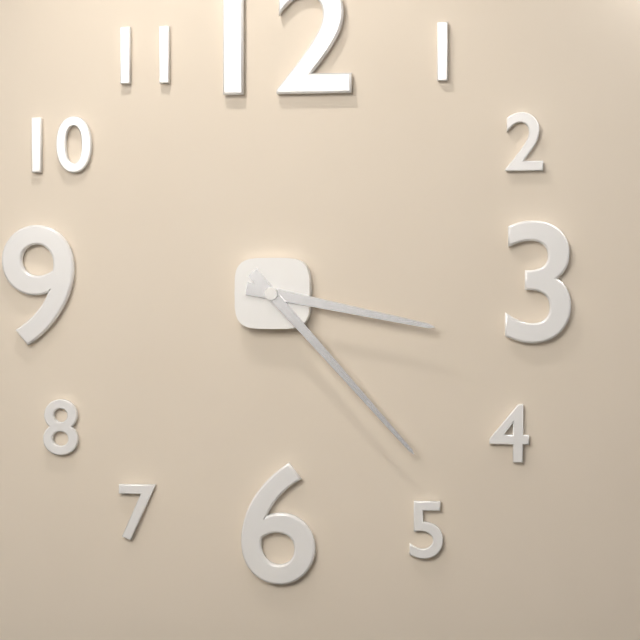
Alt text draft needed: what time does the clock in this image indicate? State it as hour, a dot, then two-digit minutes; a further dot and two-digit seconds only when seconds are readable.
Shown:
3.23
